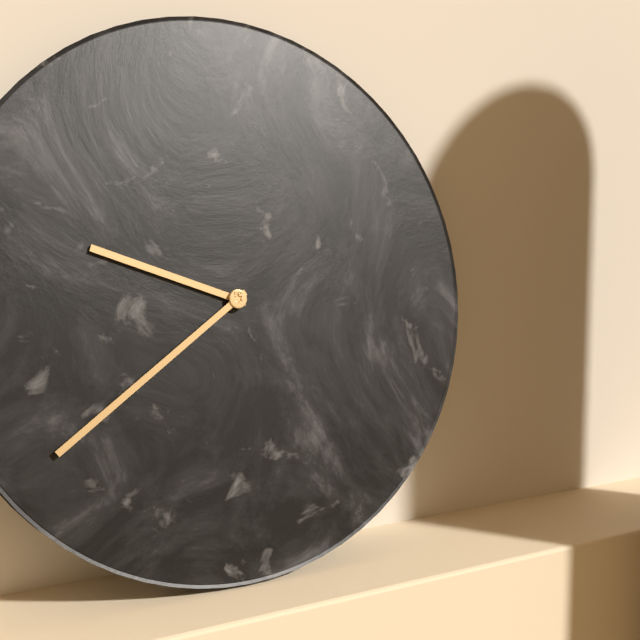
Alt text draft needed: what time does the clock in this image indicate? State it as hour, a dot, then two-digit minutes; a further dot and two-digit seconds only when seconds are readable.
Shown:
9.39
